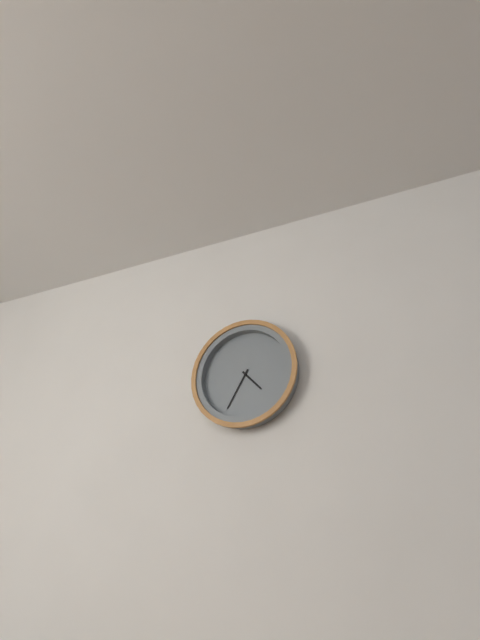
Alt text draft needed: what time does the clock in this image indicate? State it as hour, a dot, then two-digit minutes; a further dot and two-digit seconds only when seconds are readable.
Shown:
4.35
